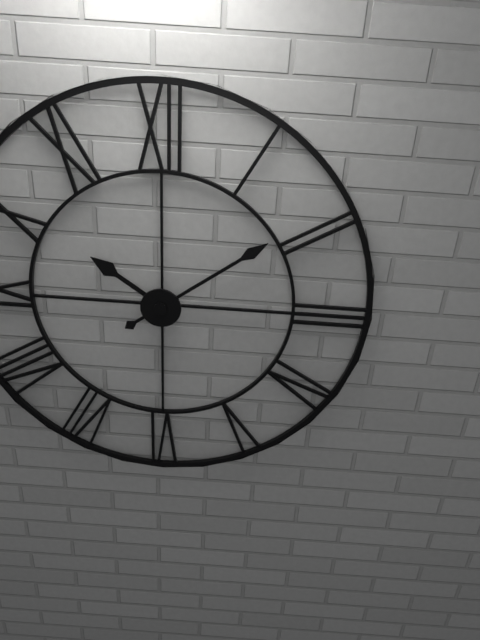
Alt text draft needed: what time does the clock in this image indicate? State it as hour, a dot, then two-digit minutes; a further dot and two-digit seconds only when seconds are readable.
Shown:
10.09
